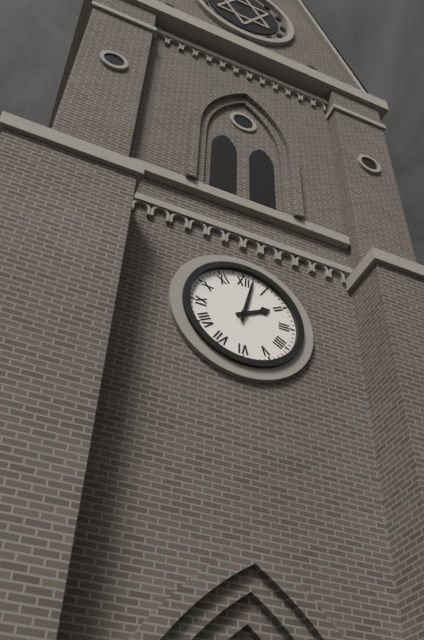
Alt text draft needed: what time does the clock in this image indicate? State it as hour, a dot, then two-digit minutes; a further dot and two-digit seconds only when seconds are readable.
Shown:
2.02
